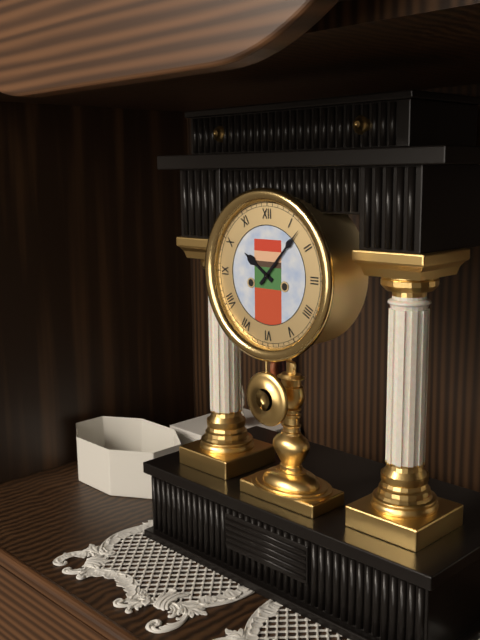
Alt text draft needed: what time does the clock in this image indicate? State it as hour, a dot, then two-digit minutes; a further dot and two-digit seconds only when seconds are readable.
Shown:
10.07
